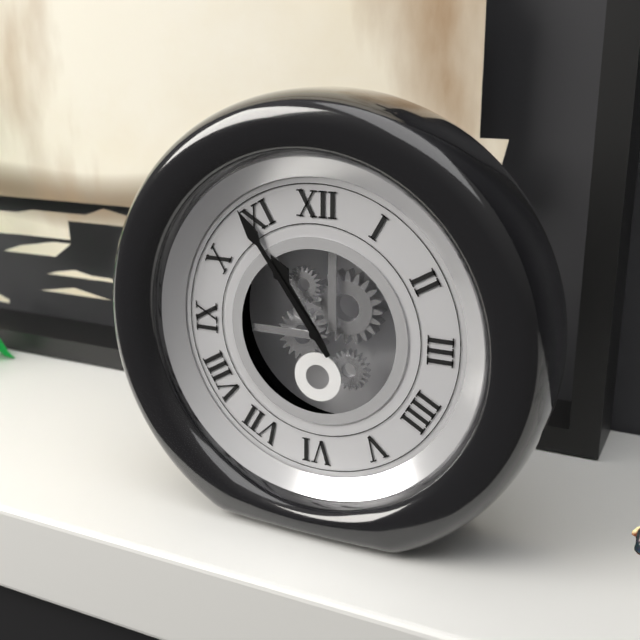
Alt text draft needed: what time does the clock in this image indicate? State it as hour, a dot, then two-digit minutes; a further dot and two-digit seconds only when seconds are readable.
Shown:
10.54
